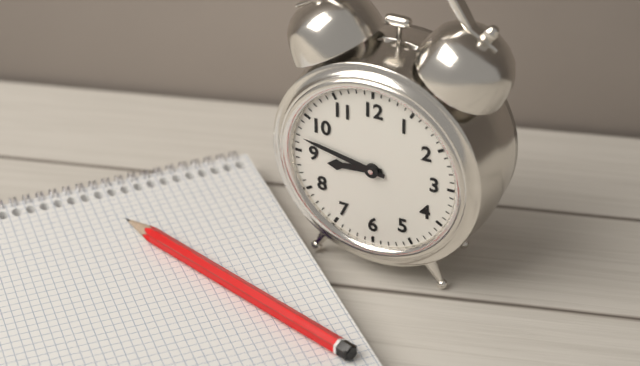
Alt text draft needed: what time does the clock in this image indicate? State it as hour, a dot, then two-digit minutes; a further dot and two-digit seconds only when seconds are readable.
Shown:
8.47
